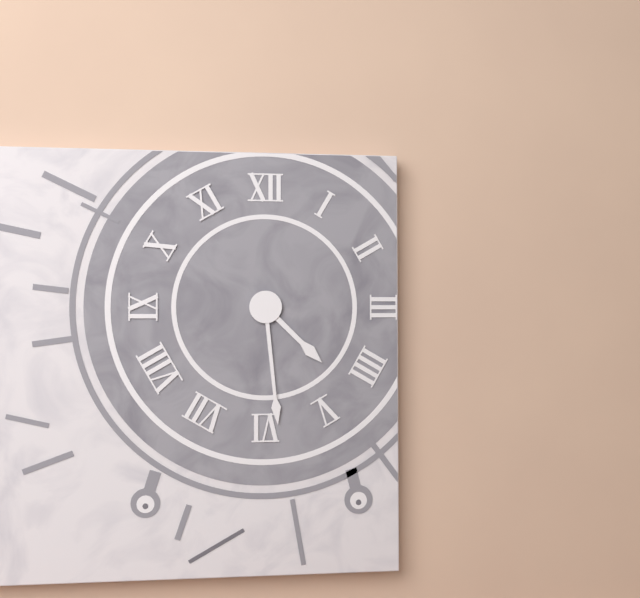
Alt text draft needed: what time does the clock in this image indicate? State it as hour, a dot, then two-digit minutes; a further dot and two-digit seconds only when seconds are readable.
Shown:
4.29
